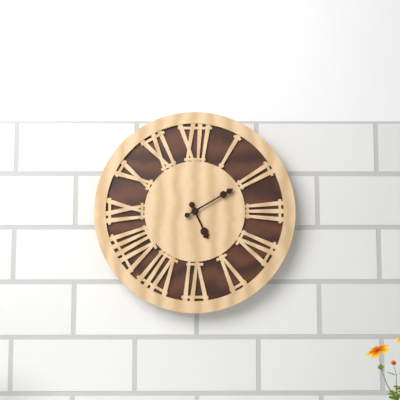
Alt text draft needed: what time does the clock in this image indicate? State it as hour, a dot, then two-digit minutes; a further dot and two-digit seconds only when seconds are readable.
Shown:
5.10
